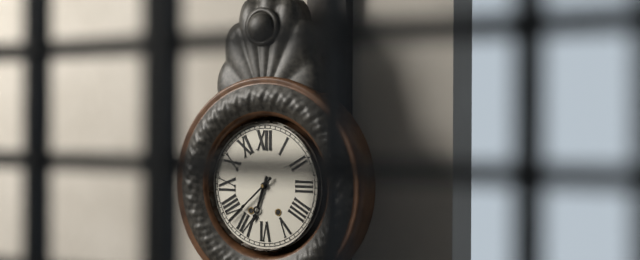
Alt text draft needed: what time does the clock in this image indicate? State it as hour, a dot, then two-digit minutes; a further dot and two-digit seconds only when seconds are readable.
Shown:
6.38
